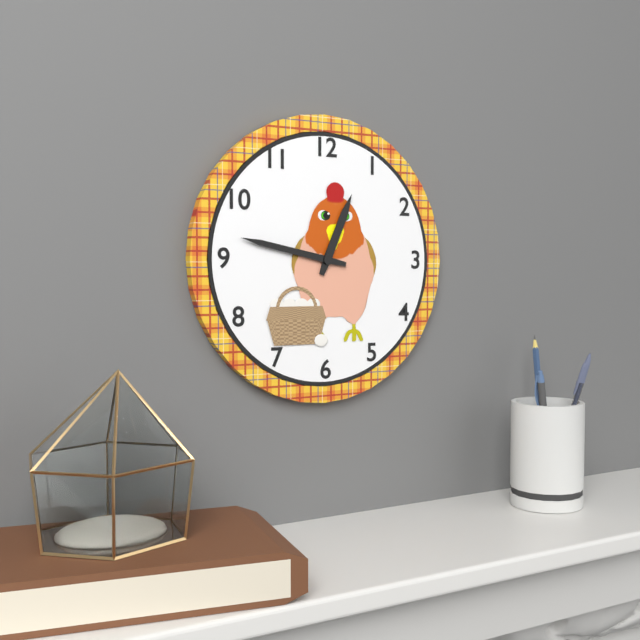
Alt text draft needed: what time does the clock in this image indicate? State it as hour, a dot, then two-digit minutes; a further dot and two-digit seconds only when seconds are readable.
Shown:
12.47
